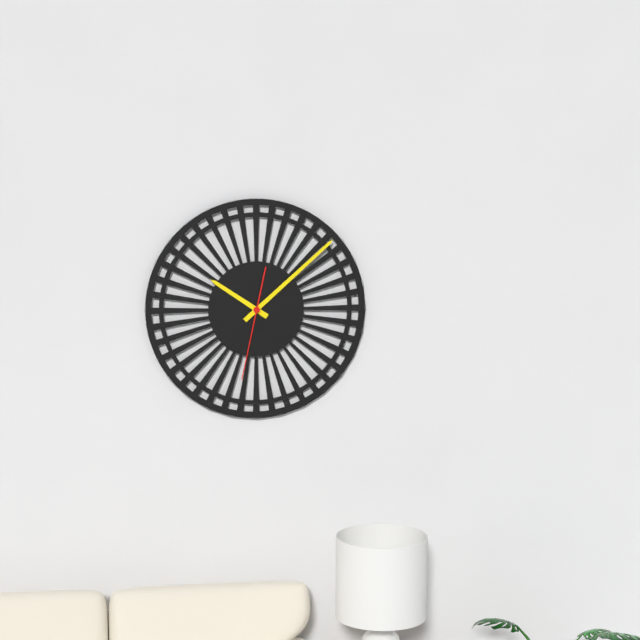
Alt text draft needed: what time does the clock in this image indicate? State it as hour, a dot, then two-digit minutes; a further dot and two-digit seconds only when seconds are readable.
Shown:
10.08.32
